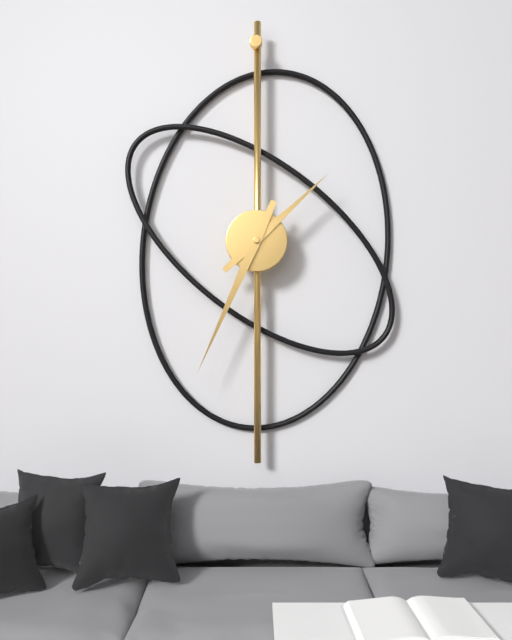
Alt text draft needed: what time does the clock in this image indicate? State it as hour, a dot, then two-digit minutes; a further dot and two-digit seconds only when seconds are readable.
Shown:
1.34
